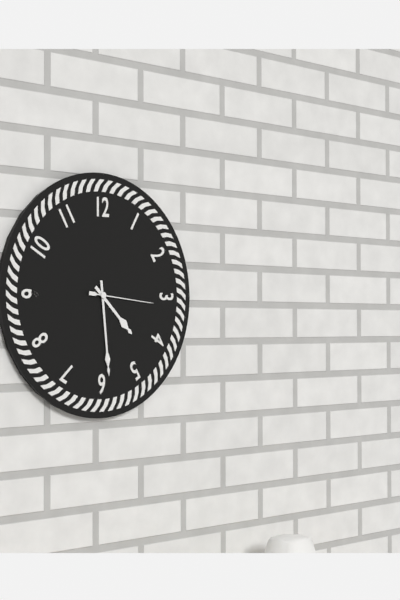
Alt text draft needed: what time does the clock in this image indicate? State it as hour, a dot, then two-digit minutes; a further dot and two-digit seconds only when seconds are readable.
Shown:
4.29.16
